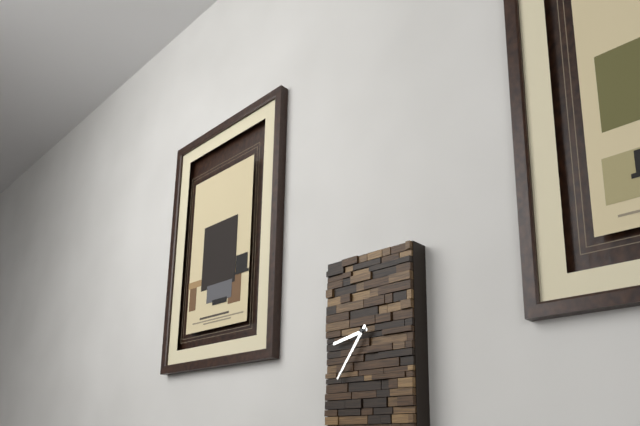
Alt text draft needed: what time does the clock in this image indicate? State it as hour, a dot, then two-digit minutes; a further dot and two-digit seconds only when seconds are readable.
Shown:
8.36
